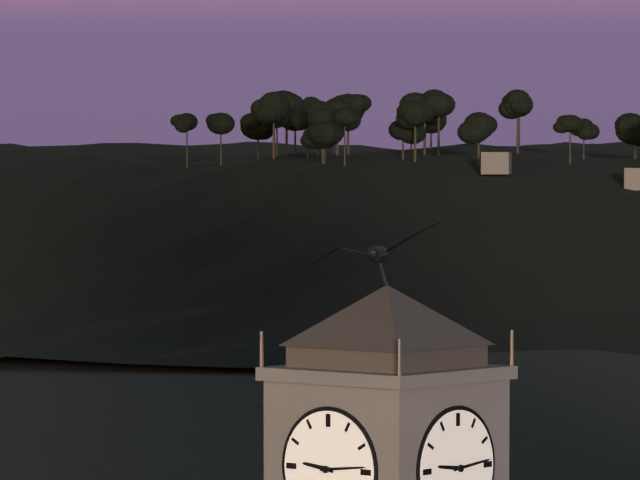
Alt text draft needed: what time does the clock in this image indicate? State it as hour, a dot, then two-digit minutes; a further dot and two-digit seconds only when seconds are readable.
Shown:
9.14
